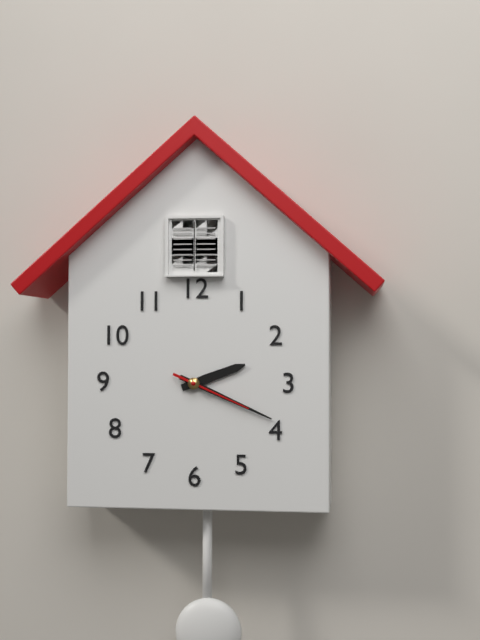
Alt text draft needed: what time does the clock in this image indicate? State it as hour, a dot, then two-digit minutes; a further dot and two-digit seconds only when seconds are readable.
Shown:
2.19.19
